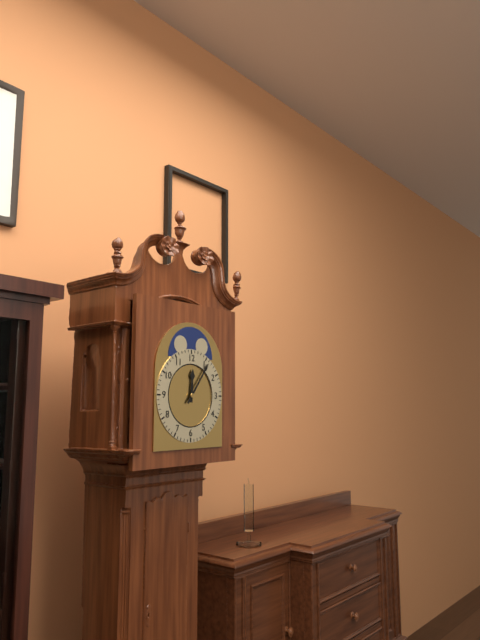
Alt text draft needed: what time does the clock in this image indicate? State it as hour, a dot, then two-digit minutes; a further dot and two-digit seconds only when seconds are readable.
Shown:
12.06
